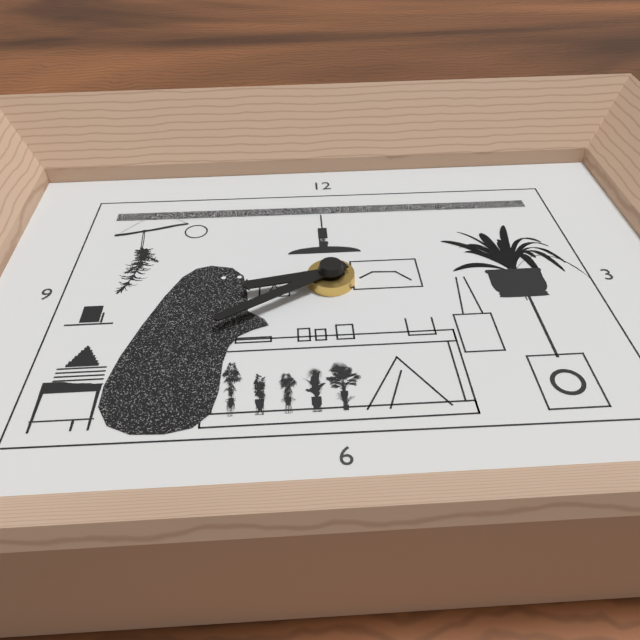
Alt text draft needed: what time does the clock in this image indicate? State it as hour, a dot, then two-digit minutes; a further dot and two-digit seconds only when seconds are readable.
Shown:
8.40
